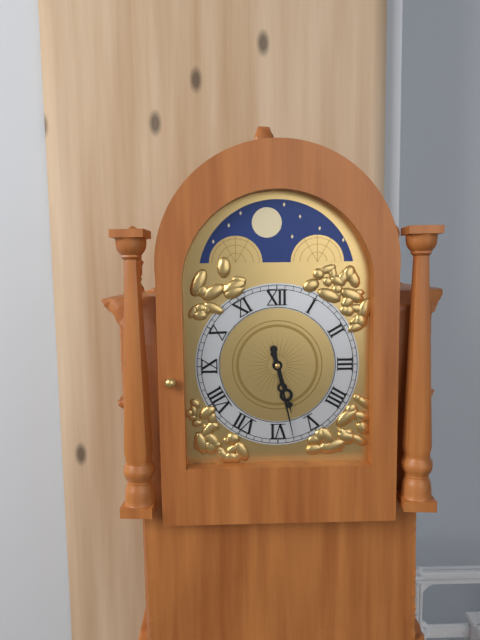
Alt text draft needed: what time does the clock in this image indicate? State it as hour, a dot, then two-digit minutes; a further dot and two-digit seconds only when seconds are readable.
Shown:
5.28
